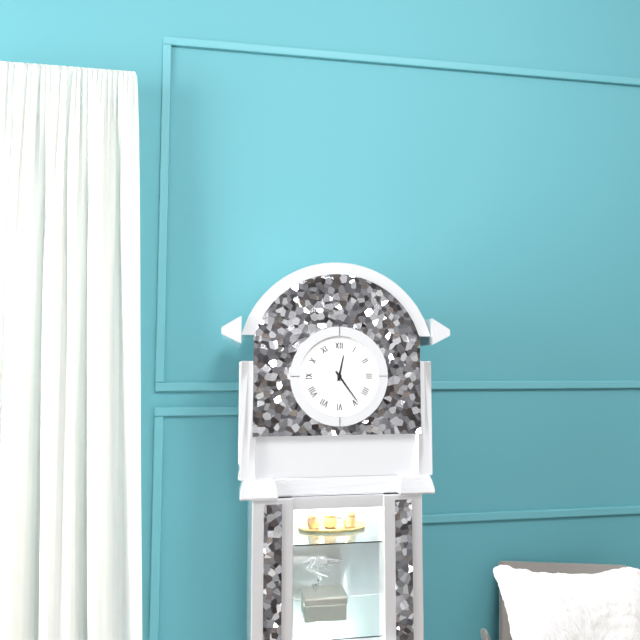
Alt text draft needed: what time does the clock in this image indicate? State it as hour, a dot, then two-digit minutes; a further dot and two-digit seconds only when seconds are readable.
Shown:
12.24
